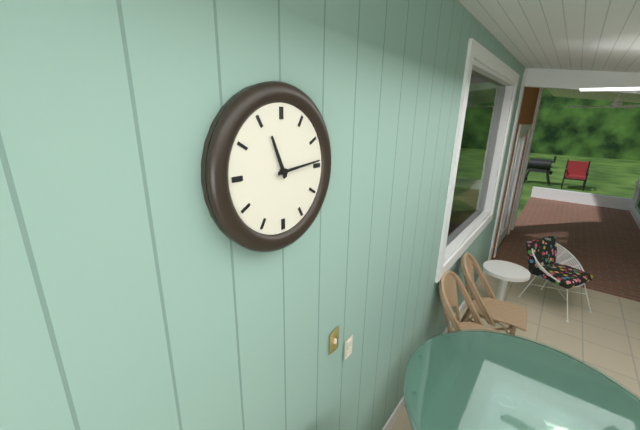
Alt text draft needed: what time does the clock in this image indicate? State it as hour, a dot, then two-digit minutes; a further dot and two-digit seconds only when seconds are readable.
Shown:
11.14
